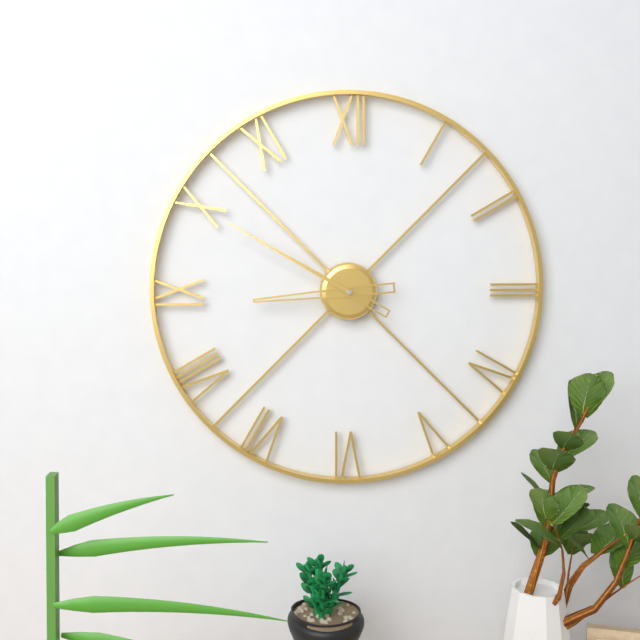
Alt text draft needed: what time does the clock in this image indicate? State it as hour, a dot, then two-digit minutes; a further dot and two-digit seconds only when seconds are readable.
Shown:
8.50
